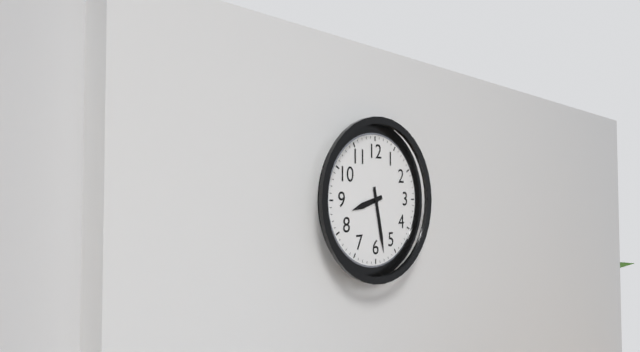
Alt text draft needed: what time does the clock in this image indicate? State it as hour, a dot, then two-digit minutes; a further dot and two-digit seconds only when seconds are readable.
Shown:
8.28
